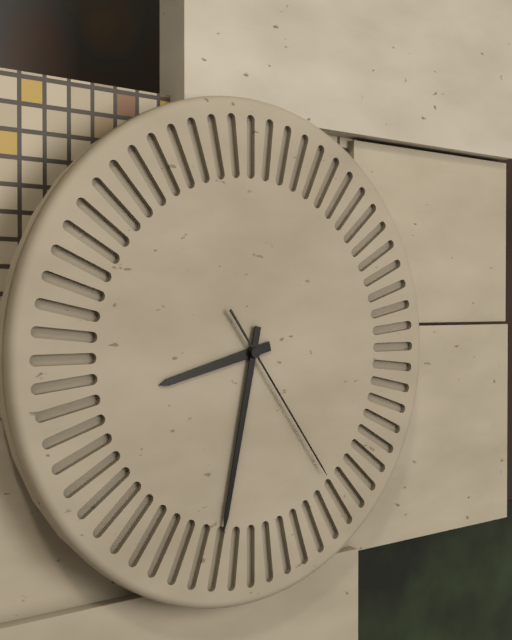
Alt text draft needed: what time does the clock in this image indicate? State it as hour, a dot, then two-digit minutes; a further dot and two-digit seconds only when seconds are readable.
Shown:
8.32.24
